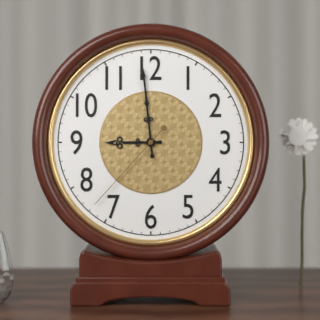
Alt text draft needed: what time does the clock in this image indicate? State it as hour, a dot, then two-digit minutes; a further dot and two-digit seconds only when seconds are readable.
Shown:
8.59.37
